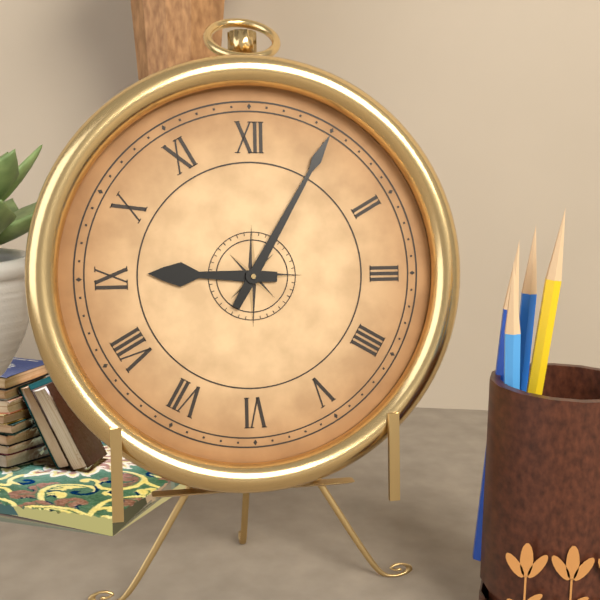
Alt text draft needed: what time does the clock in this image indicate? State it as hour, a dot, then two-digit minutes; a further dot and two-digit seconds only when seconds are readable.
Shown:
9.05
